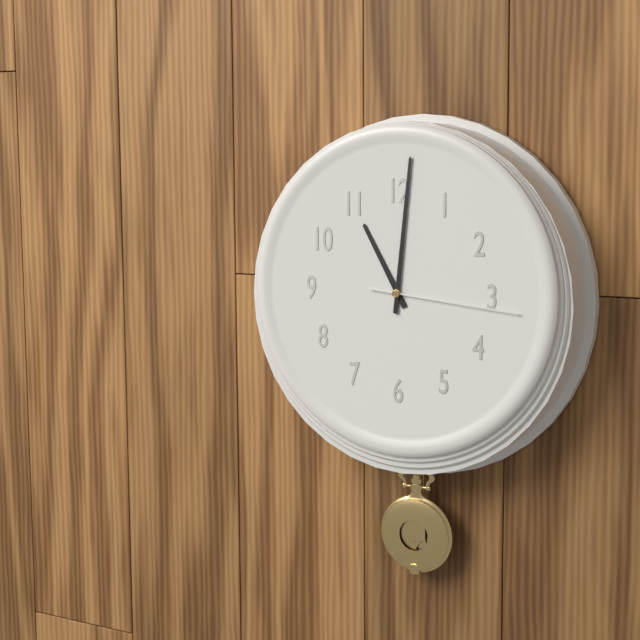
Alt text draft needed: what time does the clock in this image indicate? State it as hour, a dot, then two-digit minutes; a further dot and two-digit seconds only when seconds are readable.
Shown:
11.01.16
